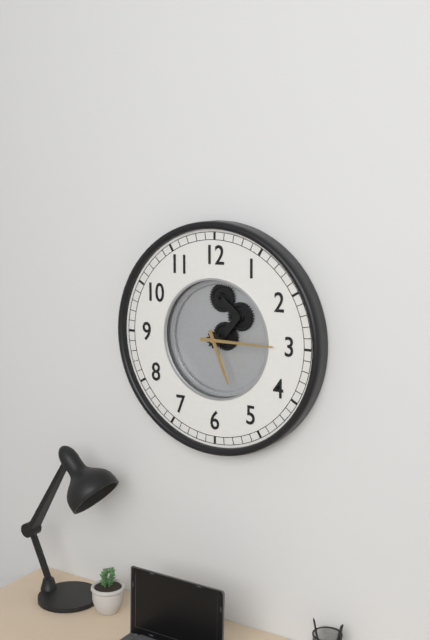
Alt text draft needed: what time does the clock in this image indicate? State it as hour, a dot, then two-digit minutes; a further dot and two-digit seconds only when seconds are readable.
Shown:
5.15
